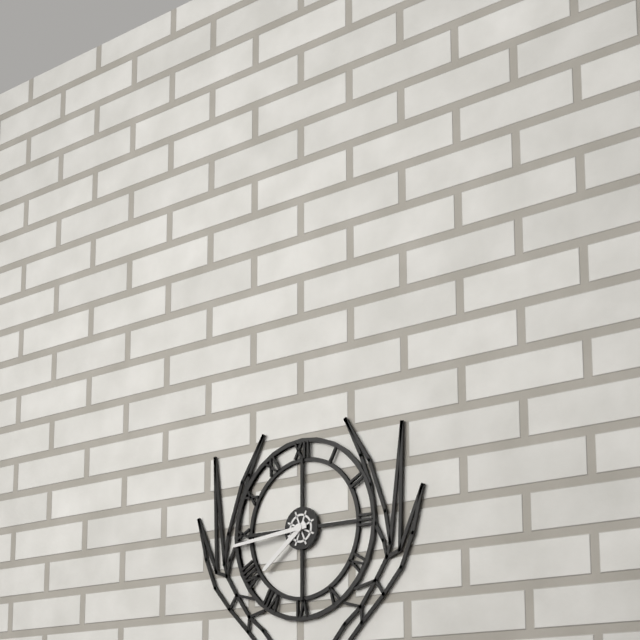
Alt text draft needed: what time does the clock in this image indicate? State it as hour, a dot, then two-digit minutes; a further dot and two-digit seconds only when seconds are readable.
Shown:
7.44
